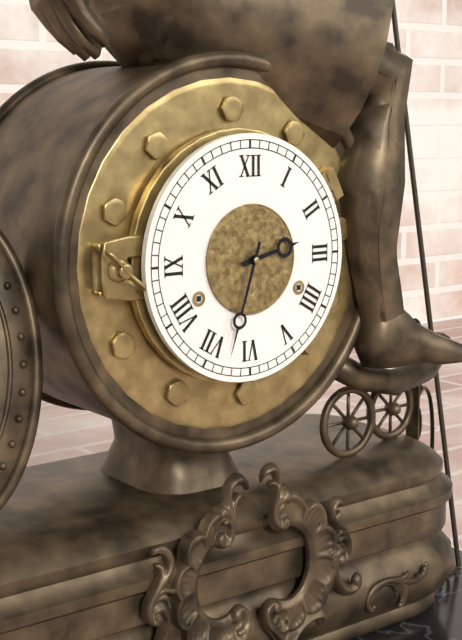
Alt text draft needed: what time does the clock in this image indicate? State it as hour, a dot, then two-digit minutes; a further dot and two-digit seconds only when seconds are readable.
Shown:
2.33
